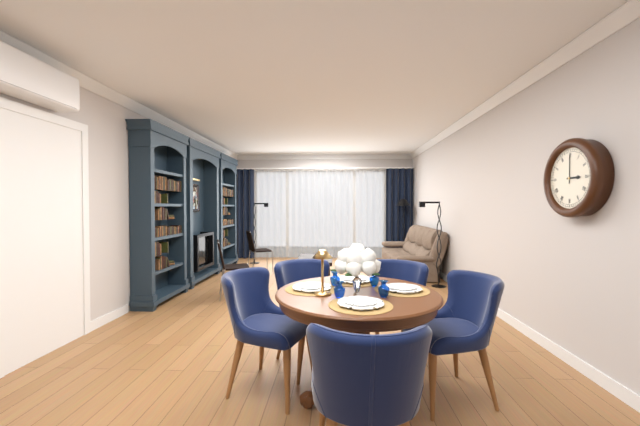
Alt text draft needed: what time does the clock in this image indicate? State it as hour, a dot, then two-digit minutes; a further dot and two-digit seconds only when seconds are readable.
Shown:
3.00
